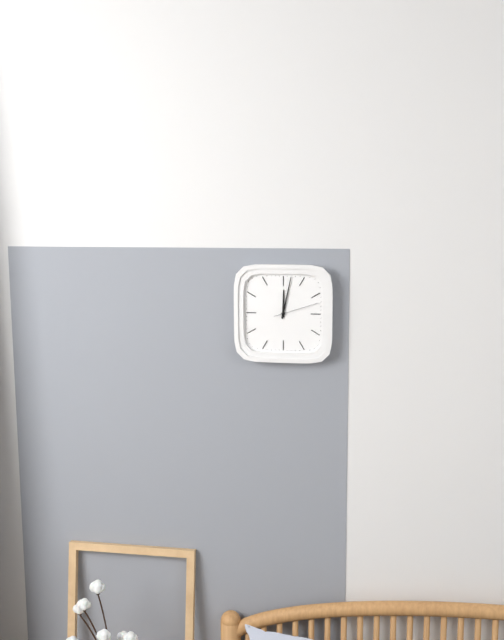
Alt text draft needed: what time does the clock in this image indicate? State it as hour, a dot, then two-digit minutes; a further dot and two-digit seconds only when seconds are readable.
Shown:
12.02
